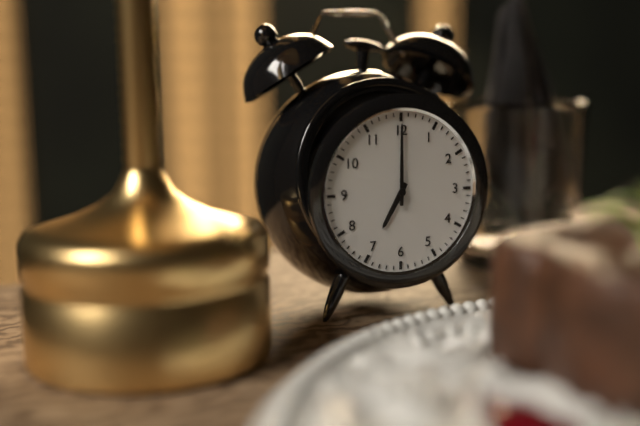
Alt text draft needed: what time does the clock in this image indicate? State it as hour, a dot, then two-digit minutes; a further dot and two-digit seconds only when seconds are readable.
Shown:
7.00
